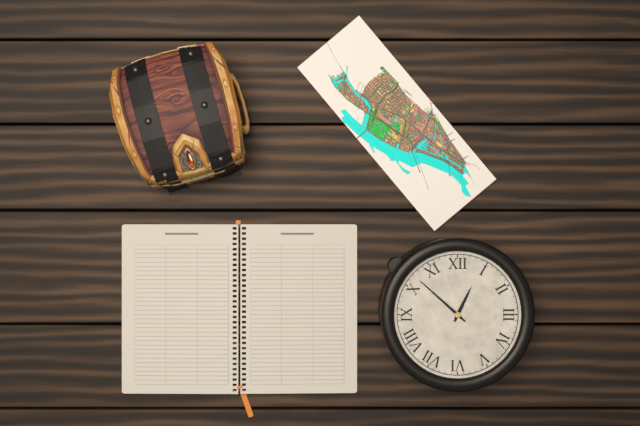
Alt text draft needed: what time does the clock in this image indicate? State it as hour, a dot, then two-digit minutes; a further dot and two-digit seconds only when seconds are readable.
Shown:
12.52
